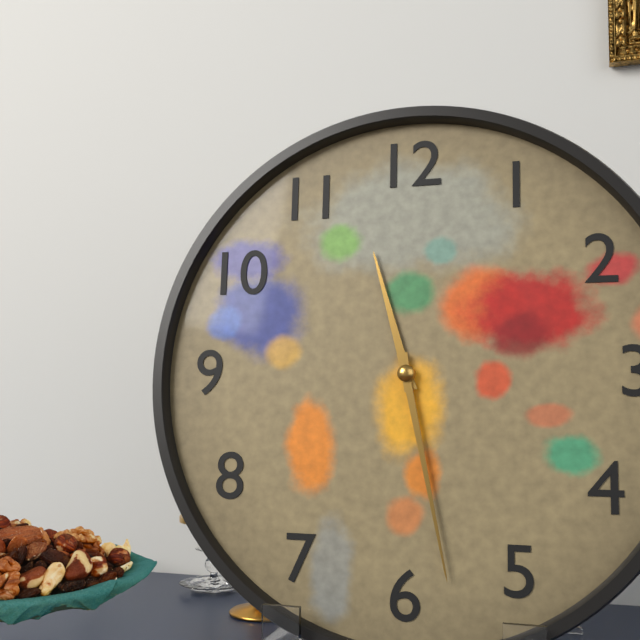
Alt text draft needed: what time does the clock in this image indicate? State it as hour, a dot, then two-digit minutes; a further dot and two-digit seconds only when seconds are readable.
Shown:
11.28
